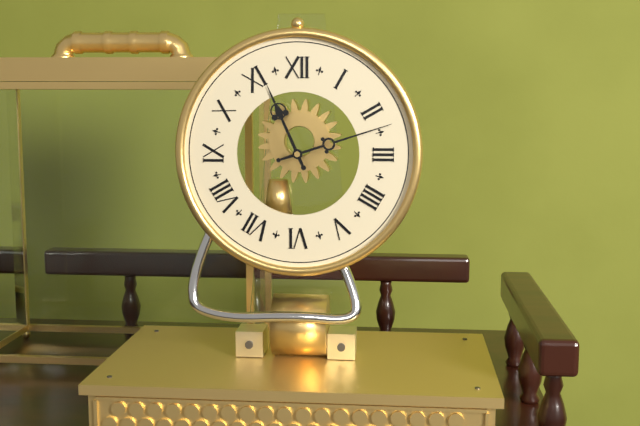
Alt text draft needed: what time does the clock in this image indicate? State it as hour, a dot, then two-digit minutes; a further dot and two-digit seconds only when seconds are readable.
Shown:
11.12
